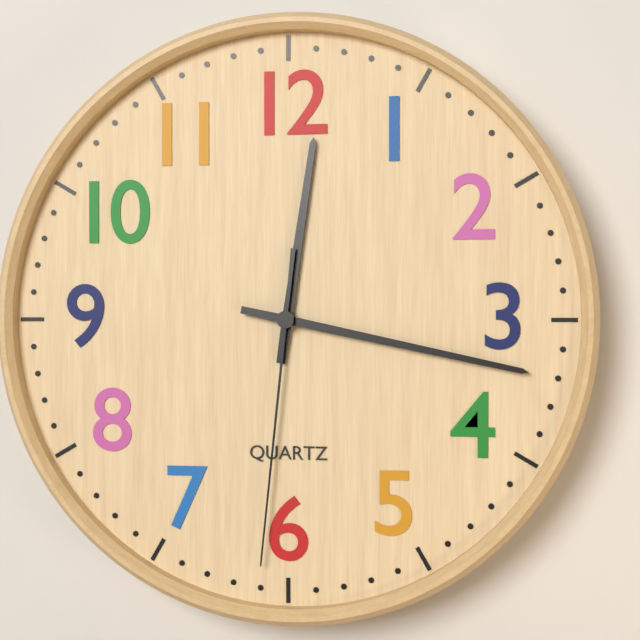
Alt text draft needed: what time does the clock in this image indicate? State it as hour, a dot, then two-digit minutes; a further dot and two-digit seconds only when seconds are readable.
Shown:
12.17.31
